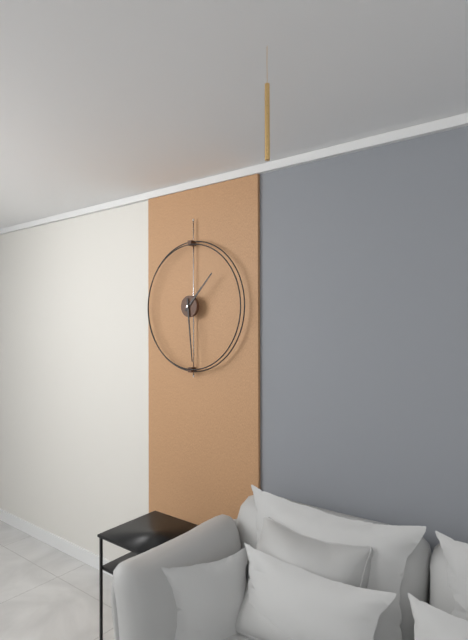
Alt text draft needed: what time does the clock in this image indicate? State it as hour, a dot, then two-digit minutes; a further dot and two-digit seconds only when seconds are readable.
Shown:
1.29
